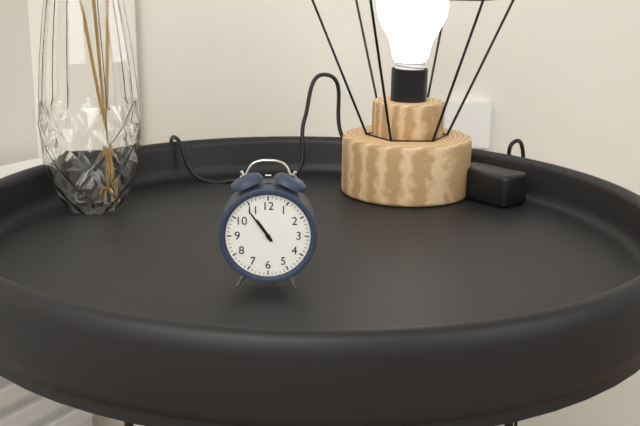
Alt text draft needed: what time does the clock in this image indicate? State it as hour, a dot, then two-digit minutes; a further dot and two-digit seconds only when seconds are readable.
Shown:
10.54
